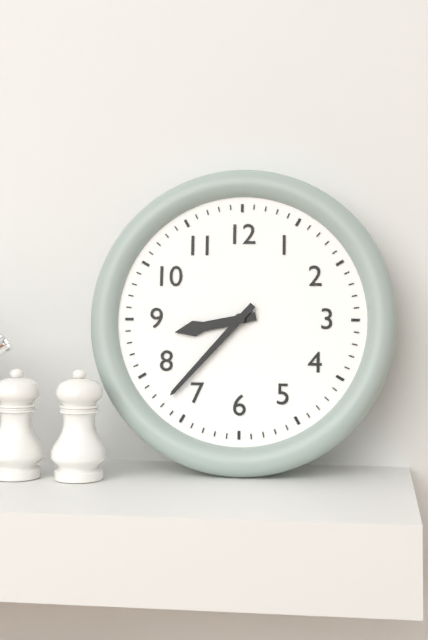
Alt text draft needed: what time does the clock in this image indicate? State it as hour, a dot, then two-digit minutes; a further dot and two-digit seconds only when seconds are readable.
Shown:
8.37
